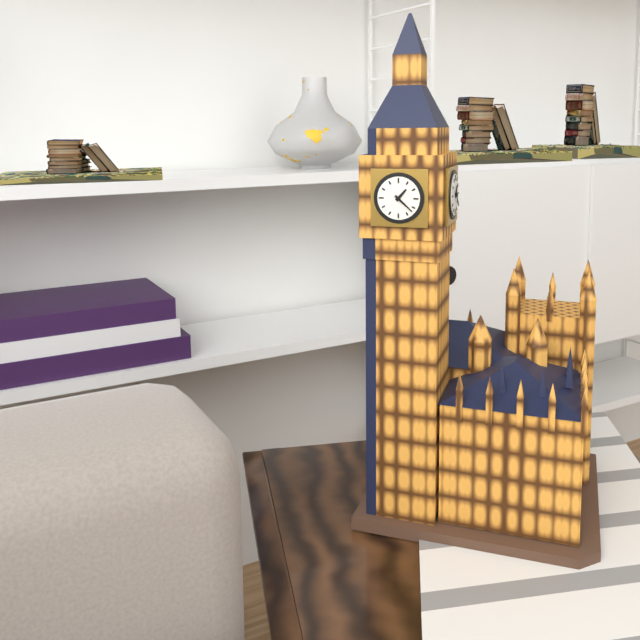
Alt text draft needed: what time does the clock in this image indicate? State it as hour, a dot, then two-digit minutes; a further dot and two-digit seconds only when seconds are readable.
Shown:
1.22
